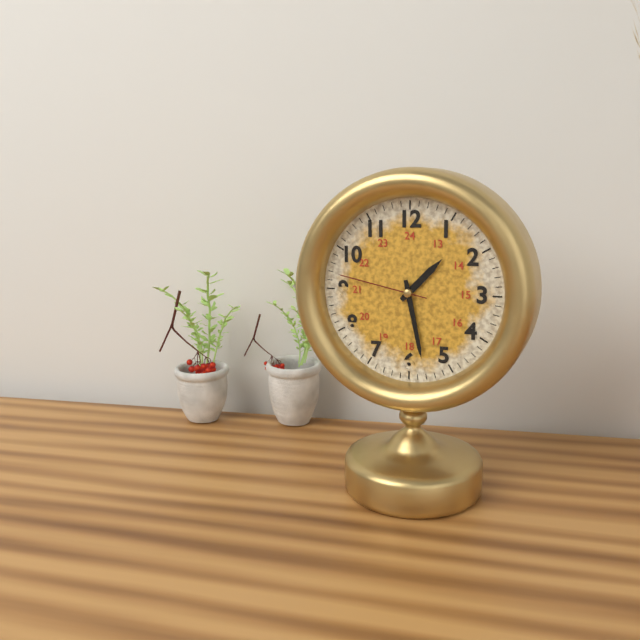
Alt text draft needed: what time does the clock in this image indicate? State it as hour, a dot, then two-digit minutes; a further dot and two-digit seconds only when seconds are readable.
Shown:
1.28.47
